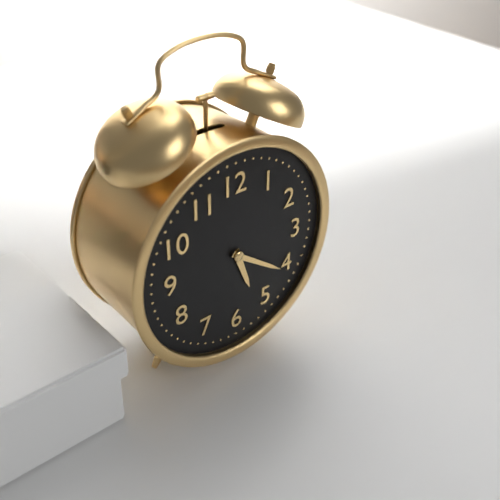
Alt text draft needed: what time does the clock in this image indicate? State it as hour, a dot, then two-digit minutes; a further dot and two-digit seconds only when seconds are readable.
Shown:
5.21
